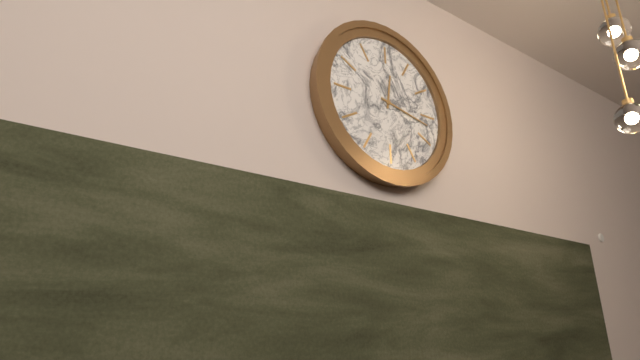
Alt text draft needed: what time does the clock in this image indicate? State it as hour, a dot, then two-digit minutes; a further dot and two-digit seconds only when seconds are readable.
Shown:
12.17
